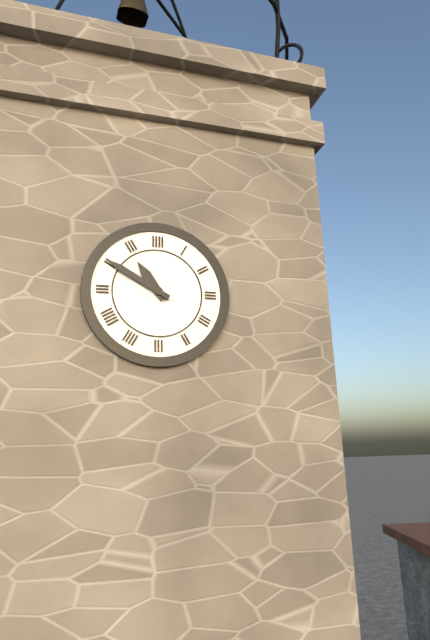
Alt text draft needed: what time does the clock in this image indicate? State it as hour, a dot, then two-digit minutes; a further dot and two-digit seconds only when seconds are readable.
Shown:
10.50
